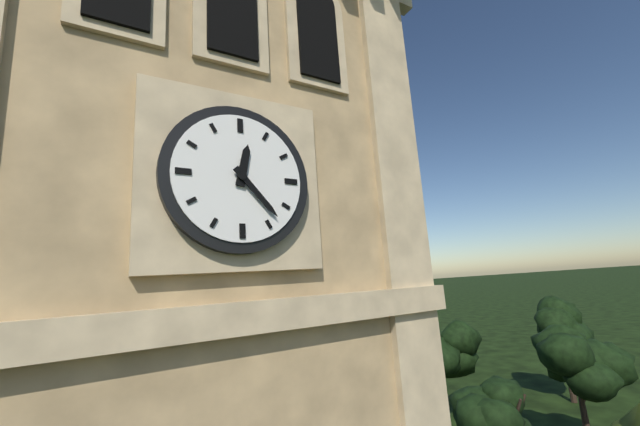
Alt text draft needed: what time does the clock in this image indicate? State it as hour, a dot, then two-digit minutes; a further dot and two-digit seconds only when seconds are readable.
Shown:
12.23
